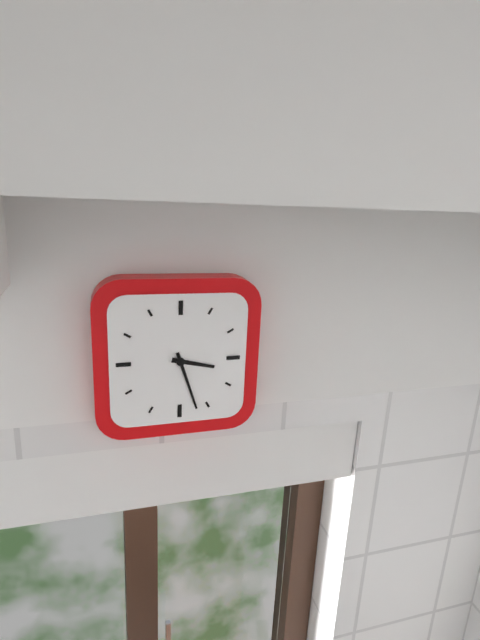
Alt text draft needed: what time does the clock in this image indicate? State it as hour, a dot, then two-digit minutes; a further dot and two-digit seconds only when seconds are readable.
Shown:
3.27
